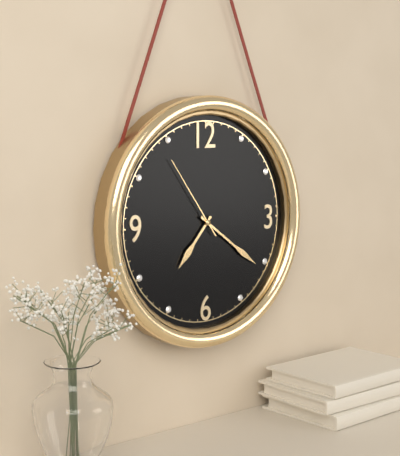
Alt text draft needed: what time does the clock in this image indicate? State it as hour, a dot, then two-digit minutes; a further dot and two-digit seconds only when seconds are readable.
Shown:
7.21.54
